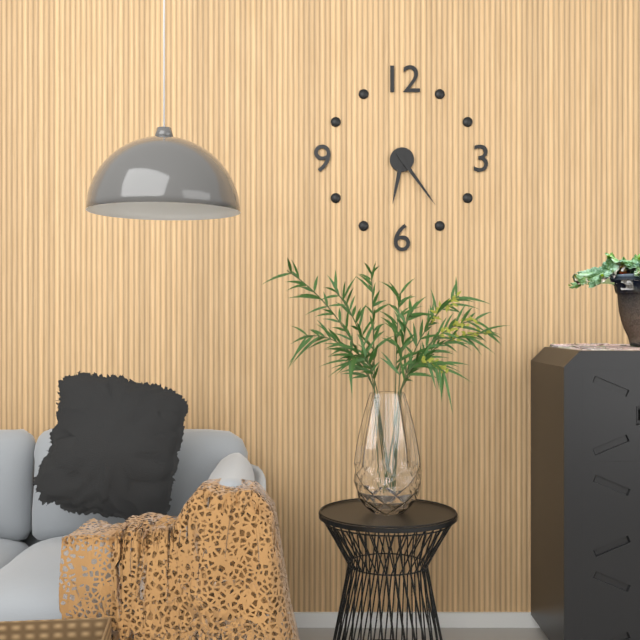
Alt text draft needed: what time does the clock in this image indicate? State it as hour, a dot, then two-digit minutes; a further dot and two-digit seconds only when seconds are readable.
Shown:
6.24
